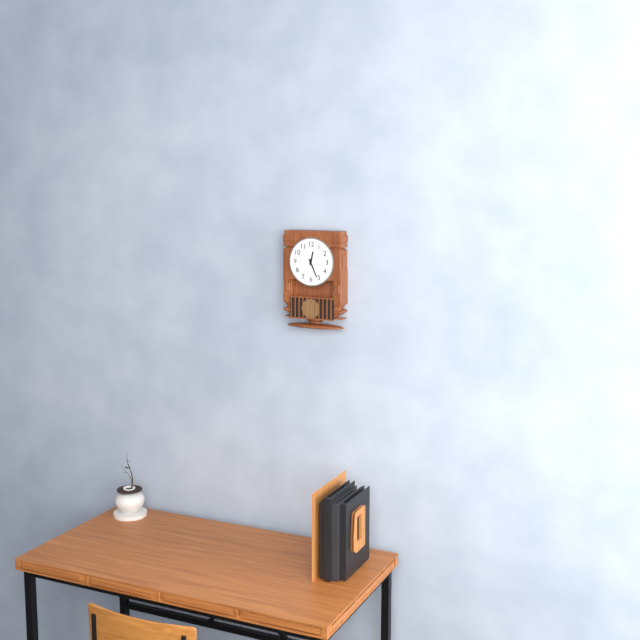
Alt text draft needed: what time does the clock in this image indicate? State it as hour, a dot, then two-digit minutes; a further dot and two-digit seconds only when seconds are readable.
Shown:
12.26
